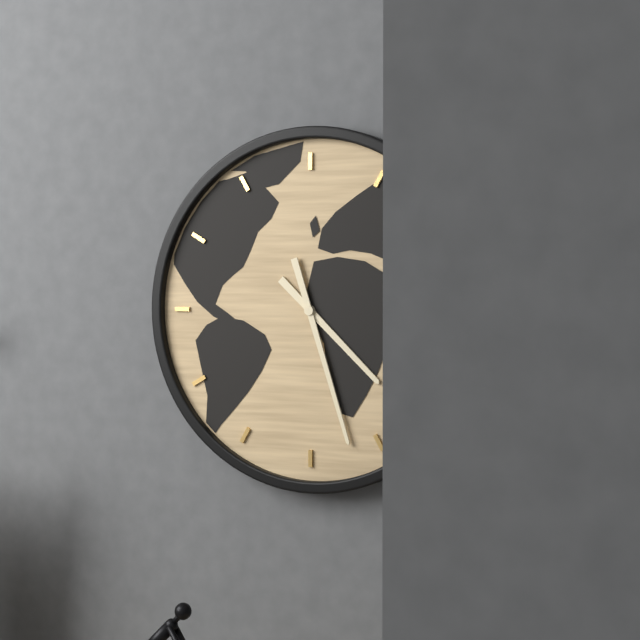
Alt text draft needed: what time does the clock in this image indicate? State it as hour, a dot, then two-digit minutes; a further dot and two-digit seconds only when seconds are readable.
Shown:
4.27
